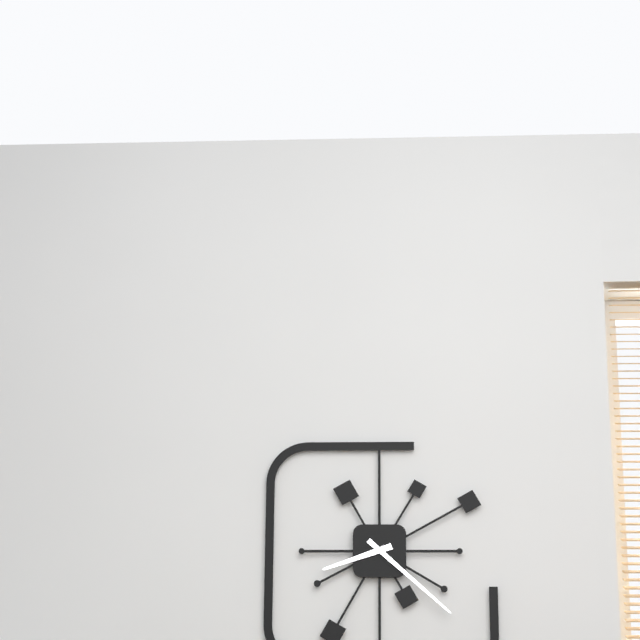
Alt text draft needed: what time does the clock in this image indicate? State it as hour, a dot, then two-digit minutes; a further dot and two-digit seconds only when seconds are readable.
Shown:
8.22
